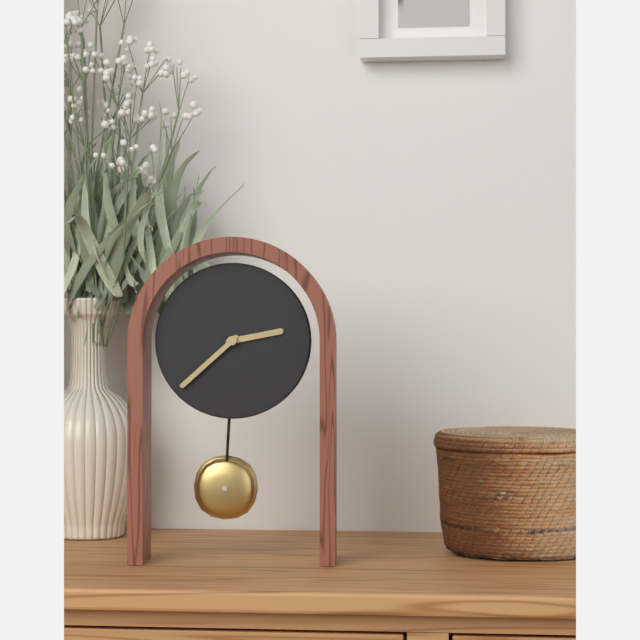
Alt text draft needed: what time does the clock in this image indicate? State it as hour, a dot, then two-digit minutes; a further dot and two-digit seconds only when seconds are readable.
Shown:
2.38
